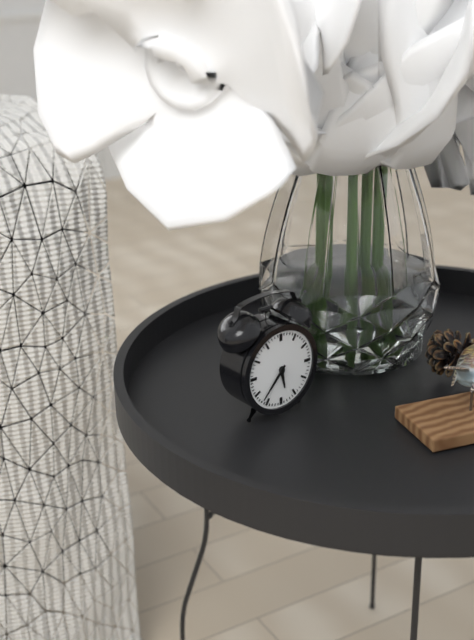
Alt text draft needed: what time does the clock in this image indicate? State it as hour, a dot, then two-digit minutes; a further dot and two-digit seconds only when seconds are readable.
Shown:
5.37
